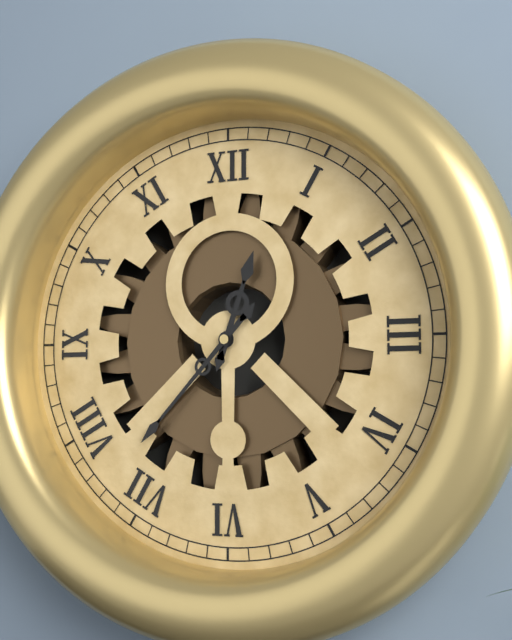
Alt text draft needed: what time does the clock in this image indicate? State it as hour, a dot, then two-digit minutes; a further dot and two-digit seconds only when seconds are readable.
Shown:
12.37
